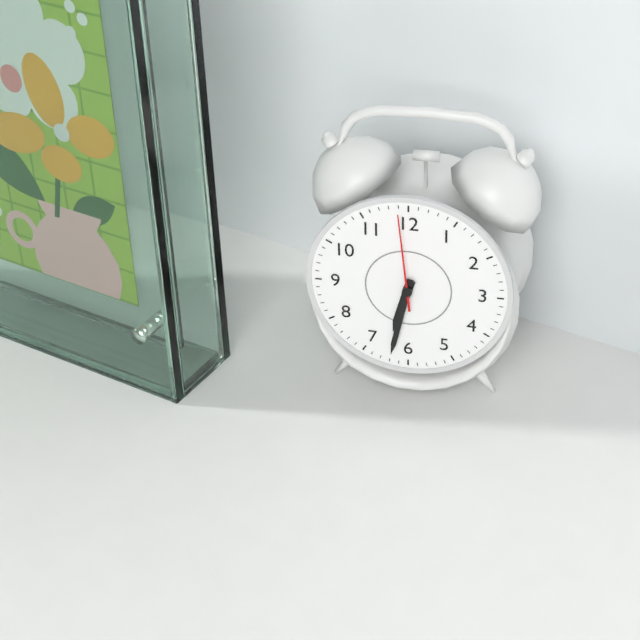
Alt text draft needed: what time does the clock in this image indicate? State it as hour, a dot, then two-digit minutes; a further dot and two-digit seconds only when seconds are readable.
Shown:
6.32.59
